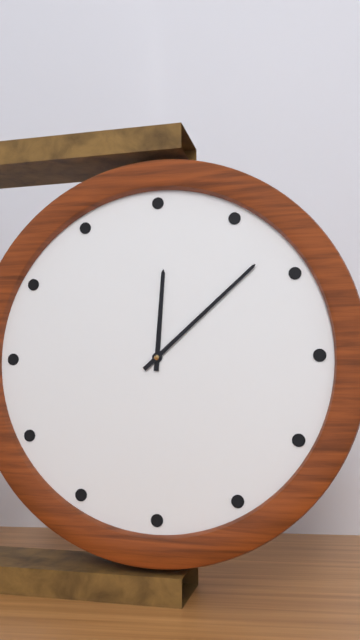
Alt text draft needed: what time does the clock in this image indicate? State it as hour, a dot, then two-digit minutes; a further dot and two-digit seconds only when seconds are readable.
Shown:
12.08
